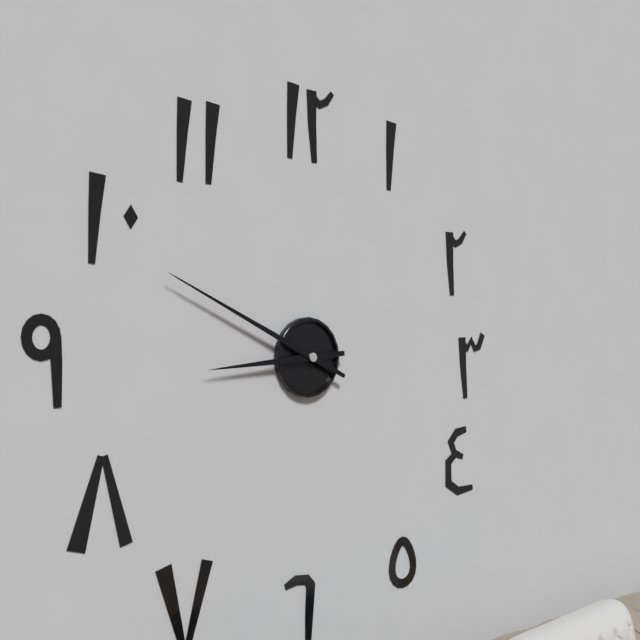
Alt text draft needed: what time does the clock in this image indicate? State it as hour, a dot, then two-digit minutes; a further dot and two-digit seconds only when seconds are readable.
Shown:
8.49
